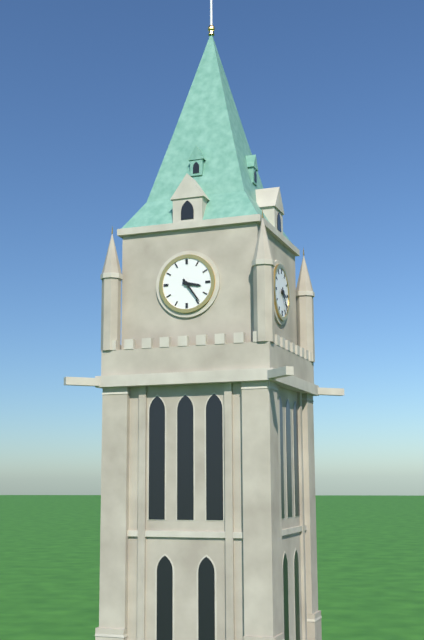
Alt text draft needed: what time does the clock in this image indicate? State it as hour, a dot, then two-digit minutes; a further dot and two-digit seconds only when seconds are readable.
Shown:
3.24
